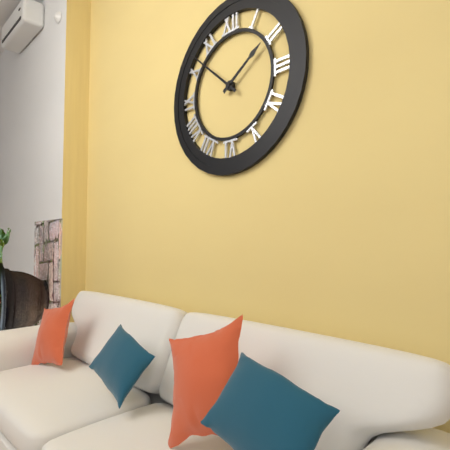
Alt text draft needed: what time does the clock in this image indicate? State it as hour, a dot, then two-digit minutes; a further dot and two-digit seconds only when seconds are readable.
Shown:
1.52
